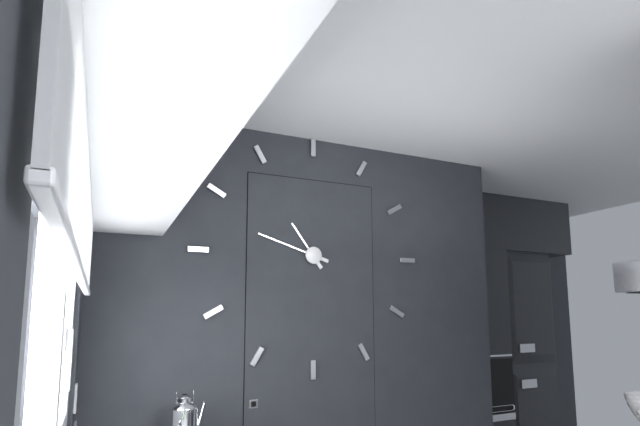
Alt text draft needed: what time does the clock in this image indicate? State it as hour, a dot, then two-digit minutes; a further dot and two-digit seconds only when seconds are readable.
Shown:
10.48
